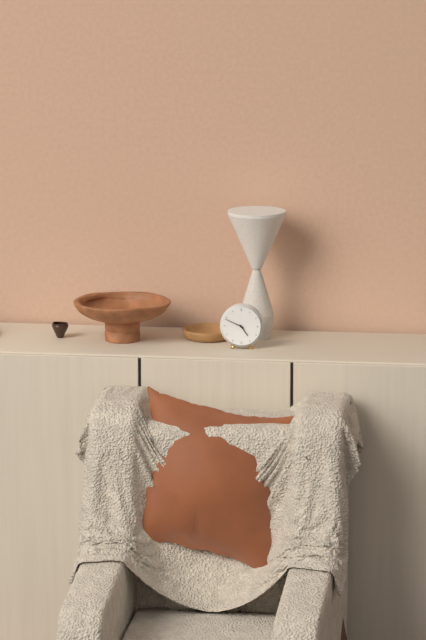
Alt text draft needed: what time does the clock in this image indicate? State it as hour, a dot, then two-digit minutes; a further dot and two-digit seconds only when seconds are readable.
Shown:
4.49
